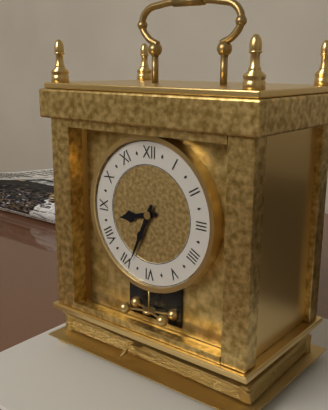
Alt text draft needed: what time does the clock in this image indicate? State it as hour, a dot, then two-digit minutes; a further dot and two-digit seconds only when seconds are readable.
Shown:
8.34
